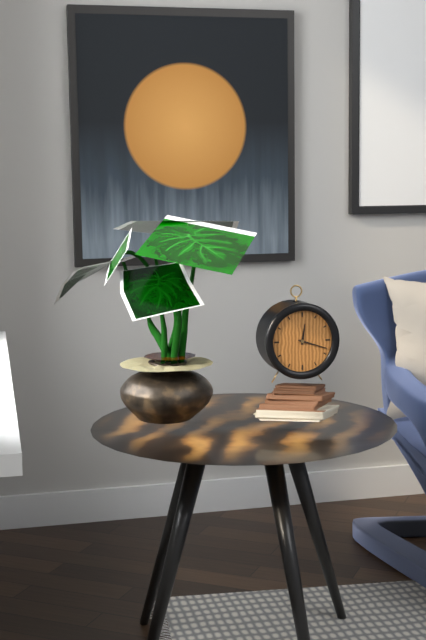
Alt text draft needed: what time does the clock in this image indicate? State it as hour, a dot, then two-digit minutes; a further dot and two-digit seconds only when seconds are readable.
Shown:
12.18
